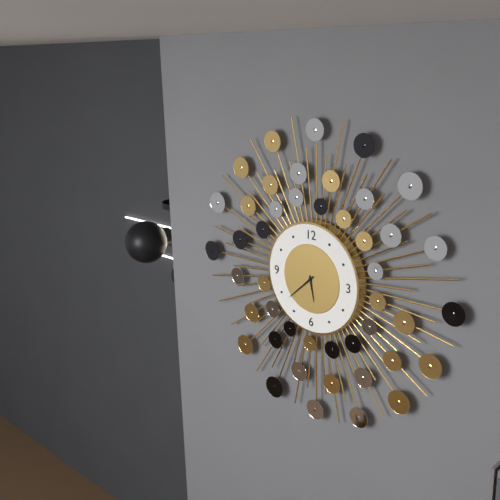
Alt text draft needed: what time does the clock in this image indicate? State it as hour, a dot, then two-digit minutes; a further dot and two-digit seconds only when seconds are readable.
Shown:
5.38
